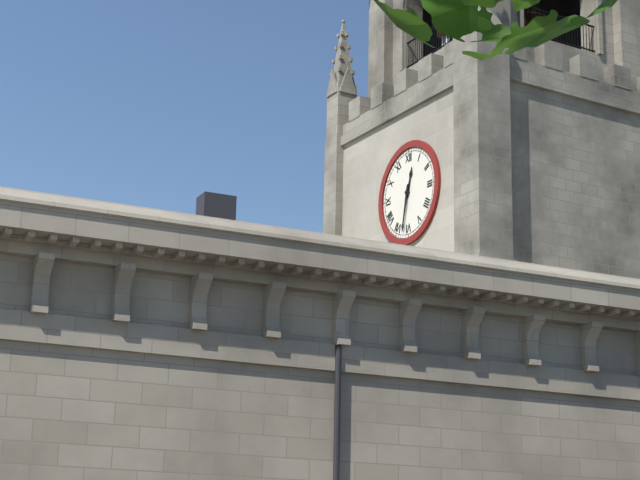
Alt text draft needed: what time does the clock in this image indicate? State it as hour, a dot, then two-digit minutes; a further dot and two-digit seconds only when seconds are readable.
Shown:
12.32
